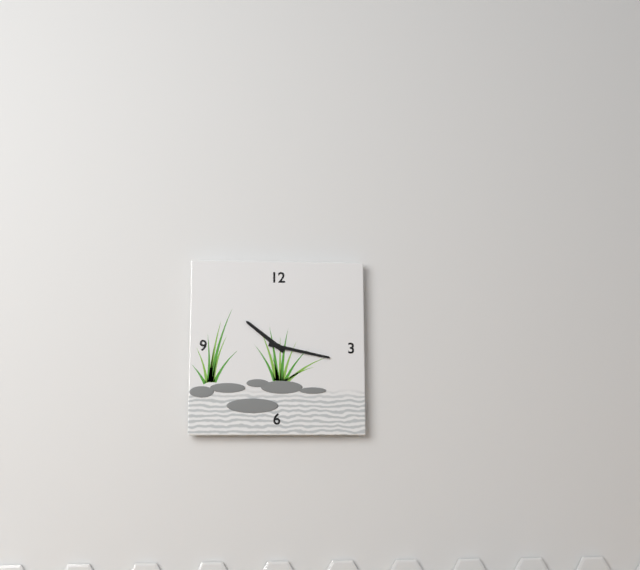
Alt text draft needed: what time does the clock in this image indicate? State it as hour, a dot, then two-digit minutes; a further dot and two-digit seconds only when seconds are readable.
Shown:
10.17
